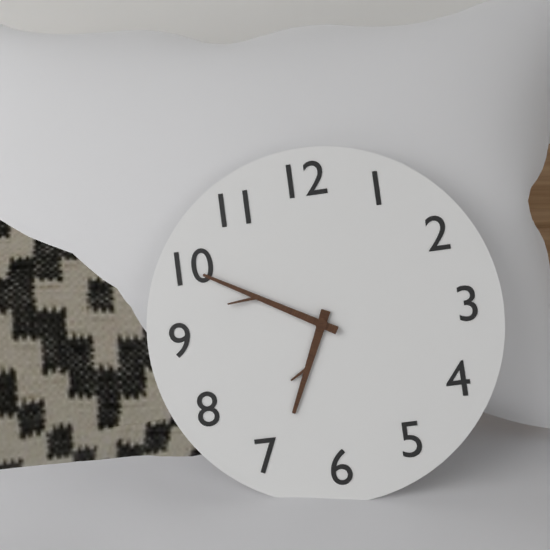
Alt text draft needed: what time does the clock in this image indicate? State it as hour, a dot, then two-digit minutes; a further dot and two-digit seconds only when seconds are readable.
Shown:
6.50
